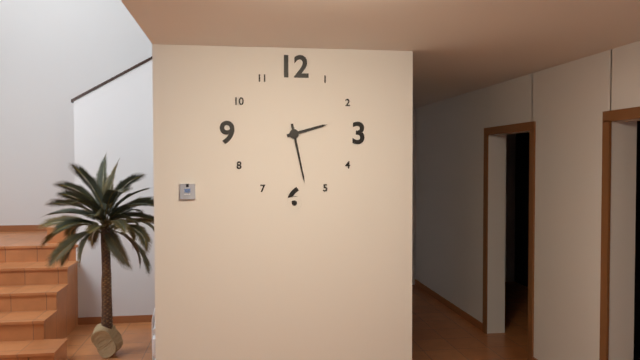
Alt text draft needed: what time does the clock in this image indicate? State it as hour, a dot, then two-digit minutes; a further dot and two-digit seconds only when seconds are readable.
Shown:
2.28
